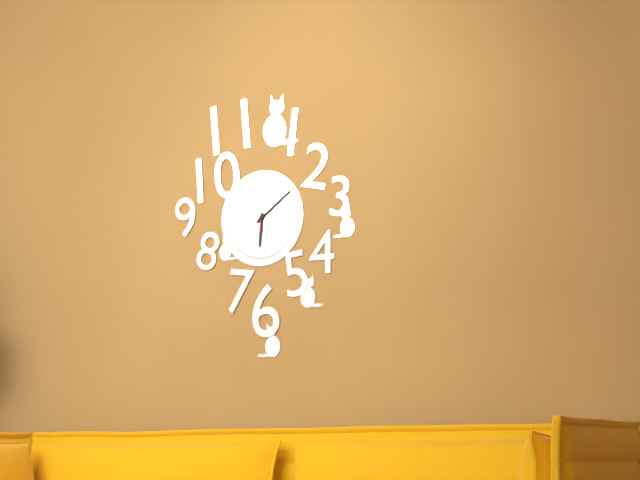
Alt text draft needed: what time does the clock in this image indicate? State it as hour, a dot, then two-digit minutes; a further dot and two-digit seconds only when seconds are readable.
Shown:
6.09.00
